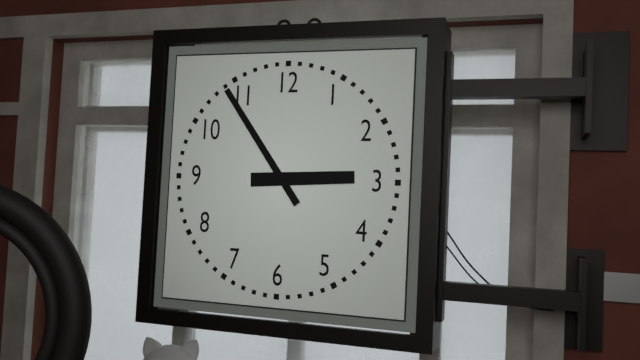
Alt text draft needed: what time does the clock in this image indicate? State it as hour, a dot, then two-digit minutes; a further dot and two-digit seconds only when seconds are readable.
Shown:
2.54
